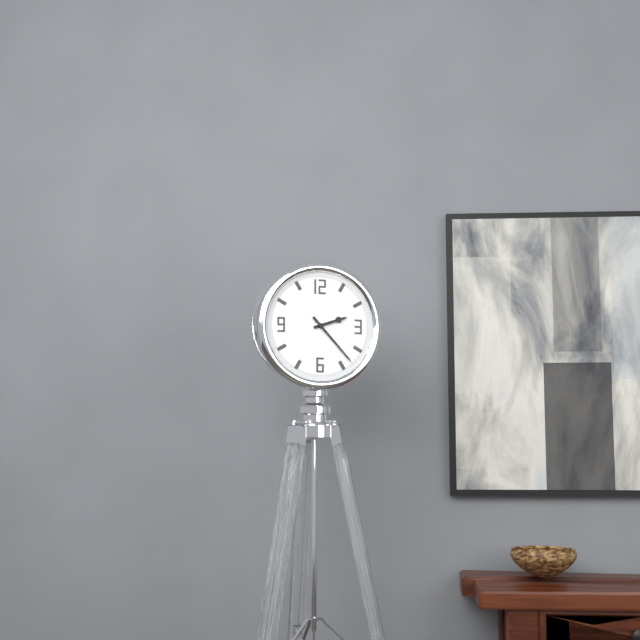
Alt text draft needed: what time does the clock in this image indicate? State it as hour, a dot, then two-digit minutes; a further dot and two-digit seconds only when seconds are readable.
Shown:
2.23
